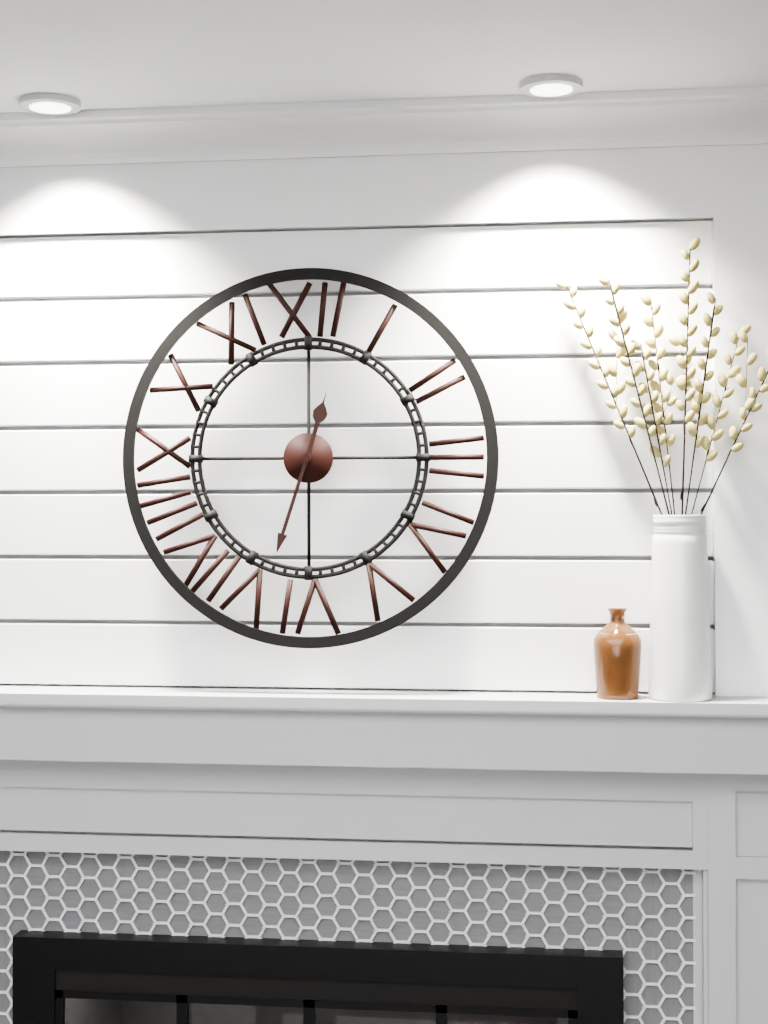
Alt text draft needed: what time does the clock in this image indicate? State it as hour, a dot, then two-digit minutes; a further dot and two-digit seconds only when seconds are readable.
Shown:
12.33
